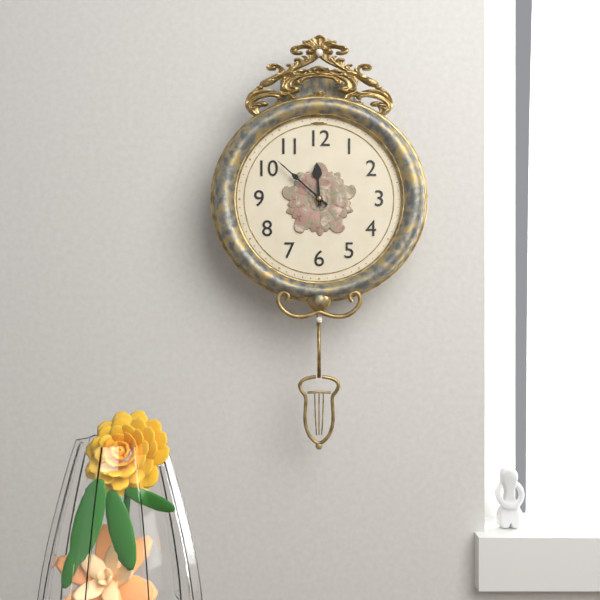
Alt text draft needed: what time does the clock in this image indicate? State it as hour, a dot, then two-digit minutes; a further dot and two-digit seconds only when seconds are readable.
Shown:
11.52
